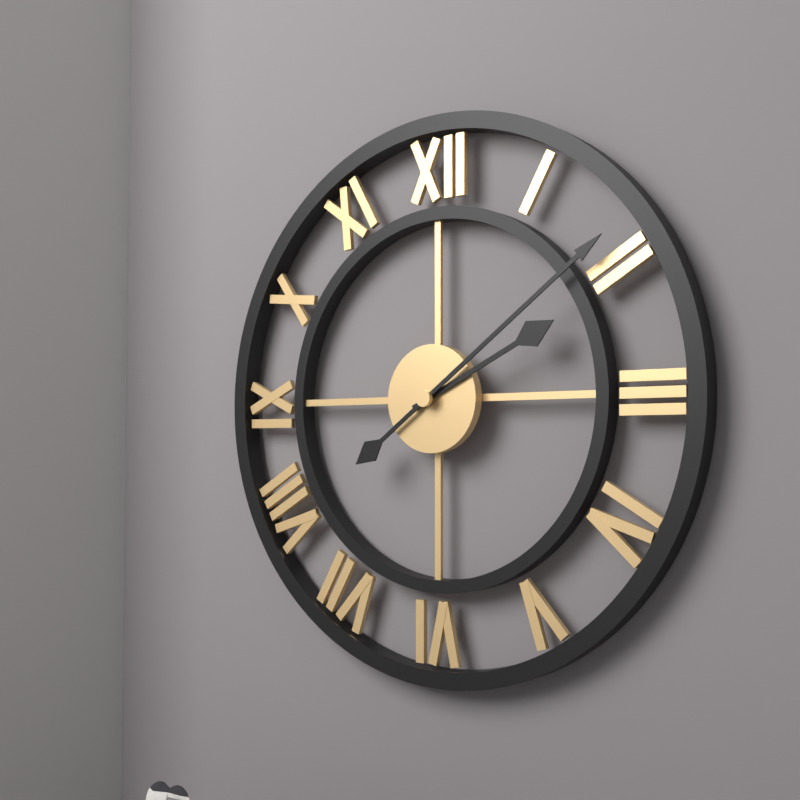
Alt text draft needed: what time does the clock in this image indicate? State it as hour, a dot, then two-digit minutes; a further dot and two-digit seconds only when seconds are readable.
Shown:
2.09
